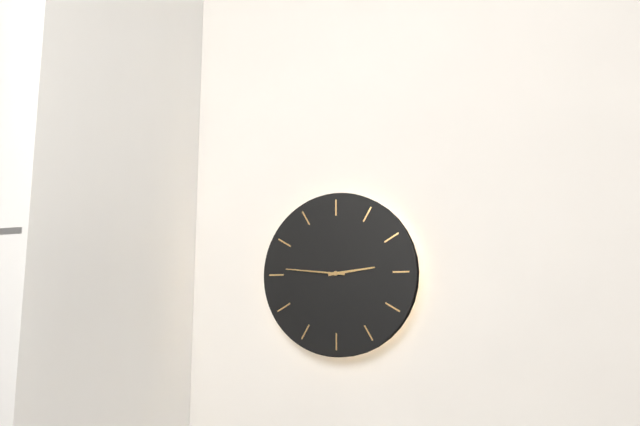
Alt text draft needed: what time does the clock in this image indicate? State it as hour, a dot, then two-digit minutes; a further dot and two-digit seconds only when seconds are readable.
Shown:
2.46
